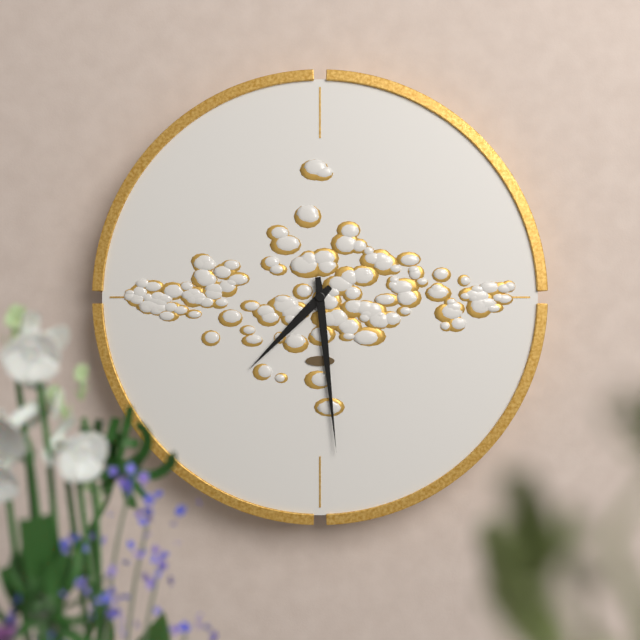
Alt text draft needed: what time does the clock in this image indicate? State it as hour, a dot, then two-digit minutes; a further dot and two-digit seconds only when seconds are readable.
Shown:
7.29
